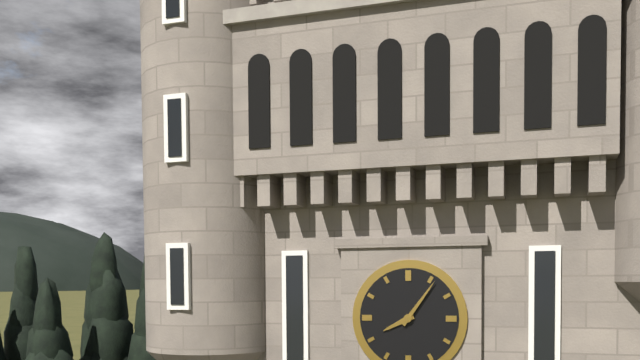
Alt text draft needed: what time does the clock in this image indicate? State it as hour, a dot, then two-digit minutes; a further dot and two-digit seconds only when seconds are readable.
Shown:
8.06
